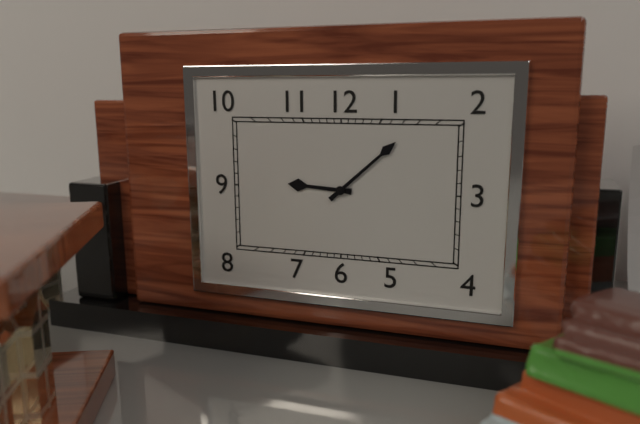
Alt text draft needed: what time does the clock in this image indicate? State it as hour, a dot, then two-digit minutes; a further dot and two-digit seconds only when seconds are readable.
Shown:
9.08
